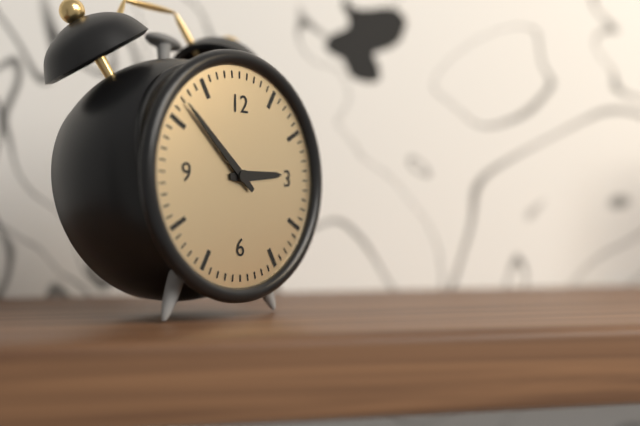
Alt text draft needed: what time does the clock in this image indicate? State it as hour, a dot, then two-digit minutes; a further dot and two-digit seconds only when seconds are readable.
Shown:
2.52
